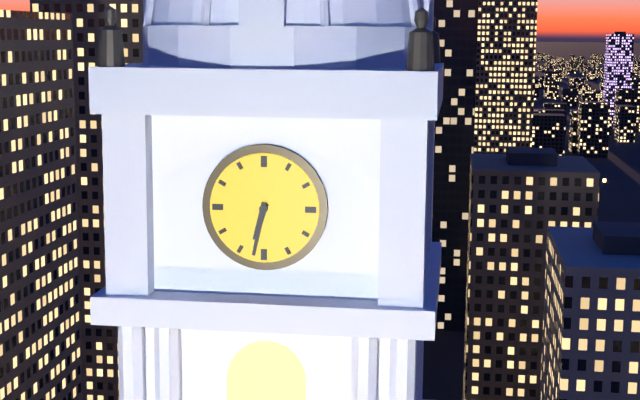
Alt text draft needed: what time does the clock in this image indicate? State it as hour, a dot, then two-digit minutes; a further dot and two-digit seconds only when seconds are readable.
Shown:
6.32
